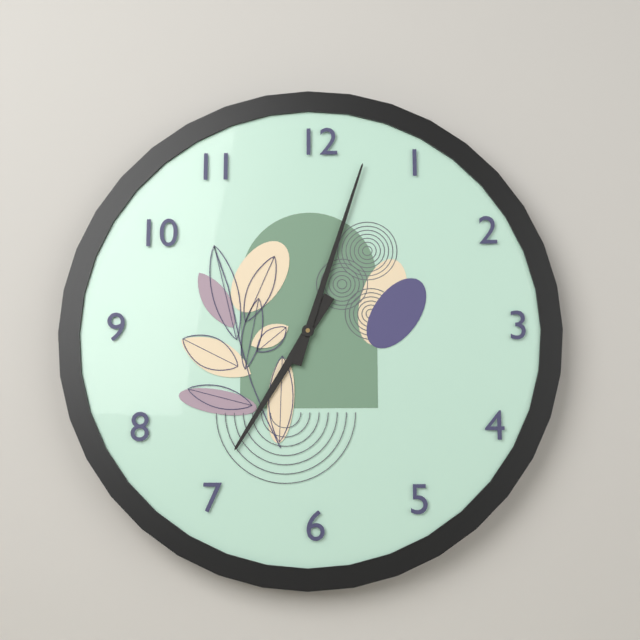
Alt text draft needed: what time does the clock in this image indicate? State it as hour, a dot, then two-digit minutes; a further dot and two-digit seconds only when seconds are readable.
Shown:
7.03
